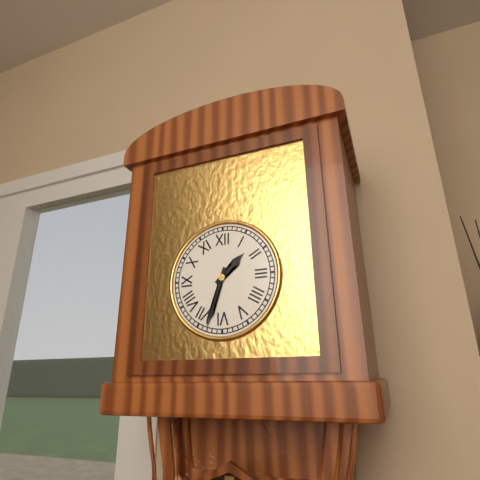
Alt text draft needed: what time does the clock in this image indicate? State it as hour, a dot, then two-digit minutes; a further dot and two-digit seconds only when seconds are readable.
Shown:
1.33
